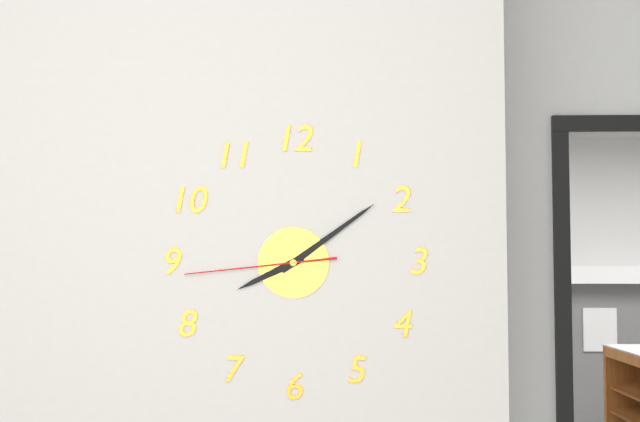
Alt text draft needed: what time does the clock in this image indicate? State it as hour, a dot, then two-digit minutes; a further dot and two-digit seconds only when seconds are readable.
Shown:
8.09.44
